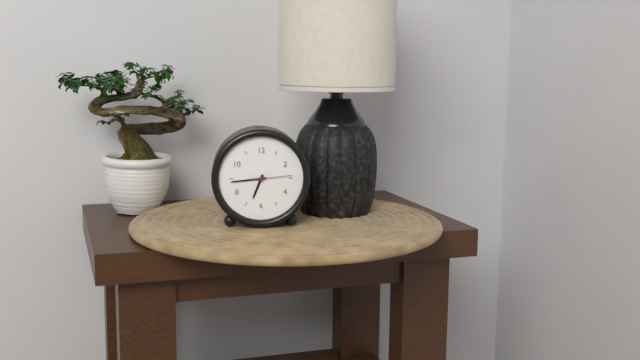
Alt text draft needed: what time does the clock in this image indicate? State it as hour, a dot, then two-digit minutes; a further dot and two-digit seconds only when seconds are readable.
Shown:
6.44
